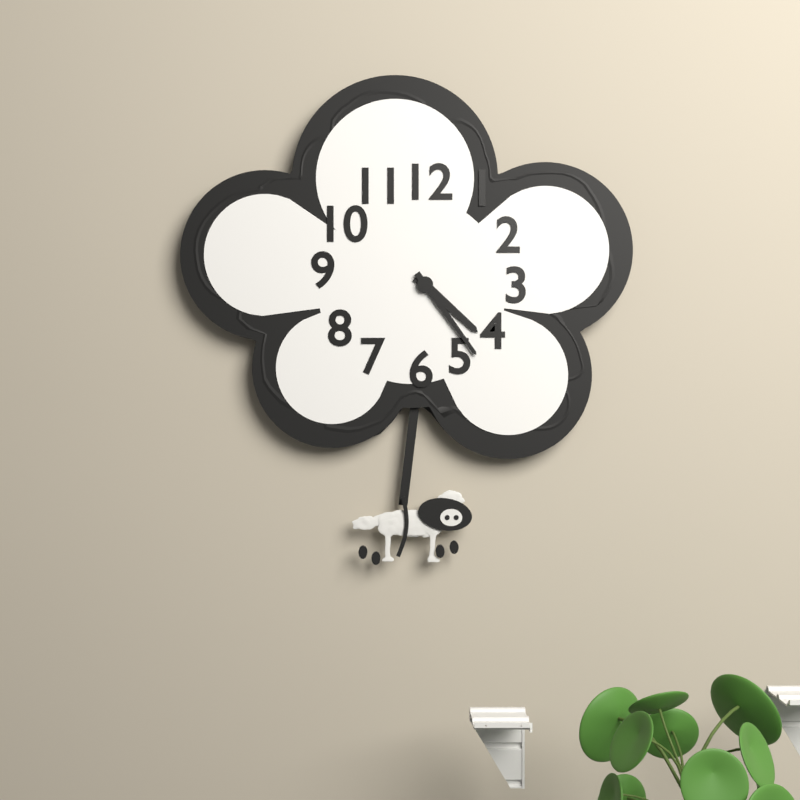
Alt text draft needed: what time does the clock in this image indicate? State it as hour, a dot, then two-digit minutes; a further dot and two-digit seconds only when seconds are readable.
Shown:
4.24
